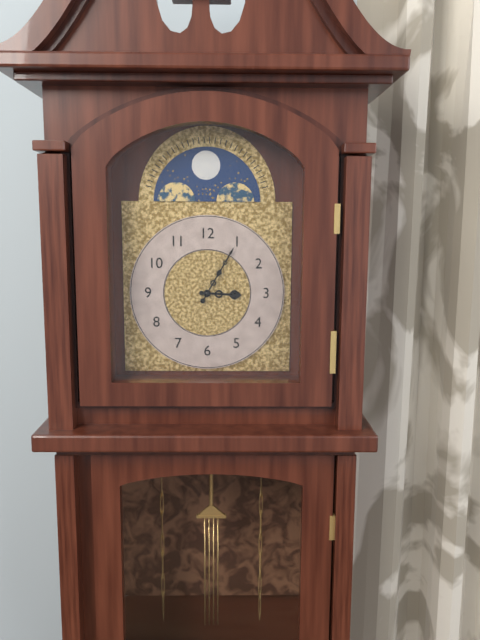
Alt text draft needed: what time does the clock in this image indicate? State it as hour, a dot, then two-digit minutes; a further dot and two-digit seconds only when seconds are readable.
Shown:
3.05
